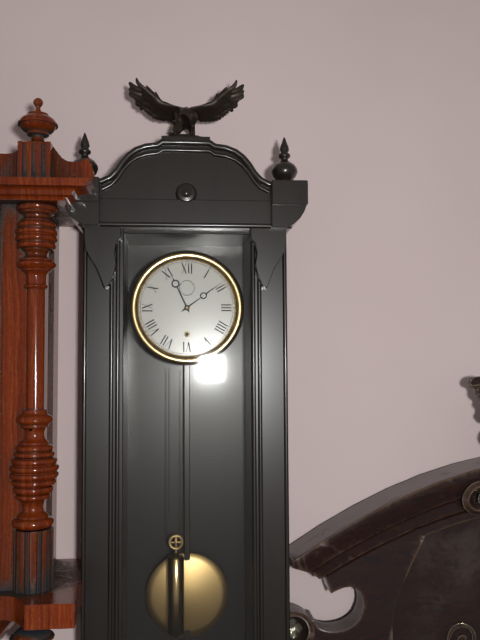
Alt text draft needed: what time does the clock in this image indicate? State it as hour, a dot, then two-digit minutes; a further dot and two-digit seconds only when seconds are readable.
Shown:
11.09
